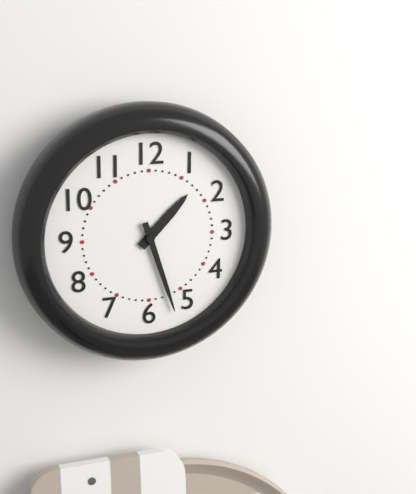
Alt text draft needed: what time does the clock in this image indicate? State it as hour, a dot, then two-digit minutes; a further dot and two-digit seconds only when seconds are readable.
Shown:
1.27
